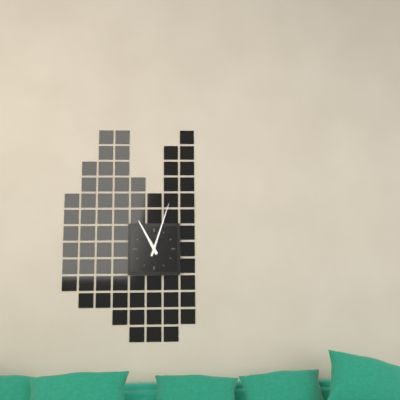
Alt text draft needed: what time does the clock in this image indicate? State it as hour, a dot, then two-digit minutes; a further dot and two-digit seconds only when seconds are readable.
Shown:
11.03
